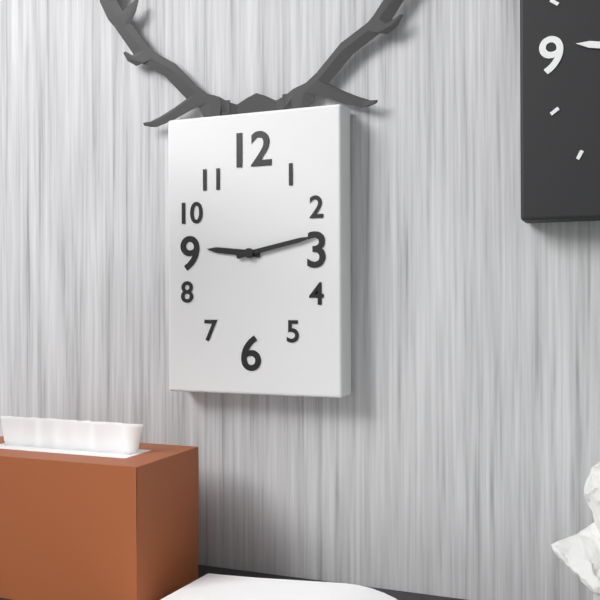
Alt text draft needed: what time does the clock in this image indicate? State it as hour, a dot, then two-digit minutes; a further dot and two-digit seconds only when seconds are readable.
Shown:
9.13
